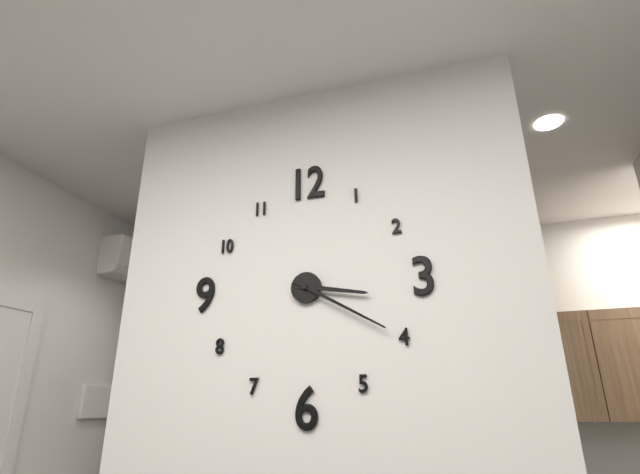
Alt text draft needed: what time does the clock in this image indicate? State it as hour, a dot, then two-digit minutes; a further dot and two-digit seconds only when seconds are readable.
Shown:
3.20
